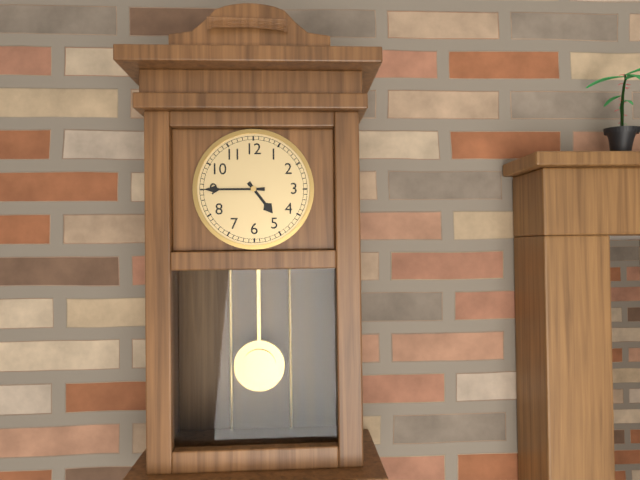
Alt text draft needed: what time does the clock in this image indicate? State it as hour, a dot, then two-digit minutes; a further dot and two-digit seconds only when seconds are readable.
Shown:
4.45
